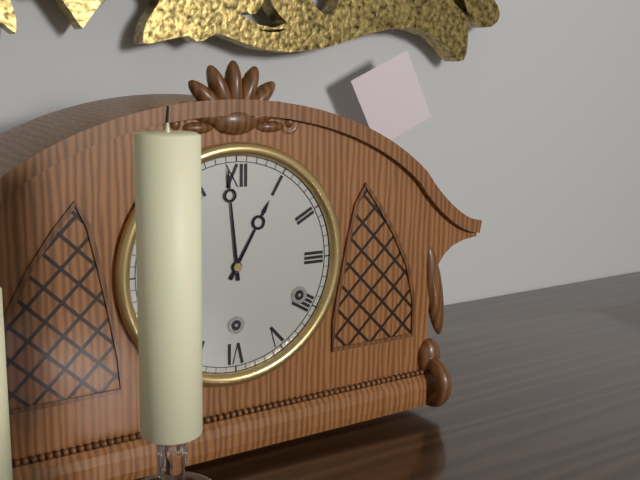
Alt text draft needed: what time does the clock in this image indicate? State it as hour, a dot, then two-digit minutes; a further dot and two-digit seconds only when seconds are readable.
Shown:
12.59
